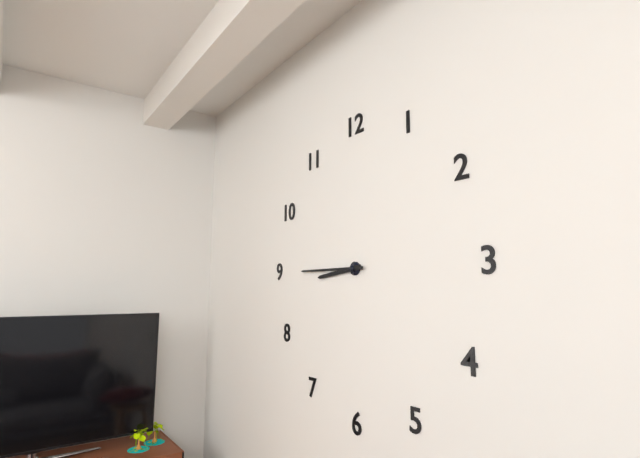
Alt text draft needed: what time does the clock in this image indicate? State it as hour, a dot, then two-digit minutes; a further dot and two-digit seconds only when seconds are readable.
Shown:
8.45
